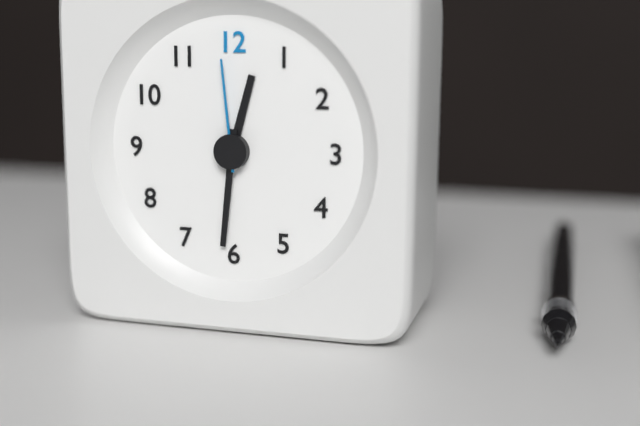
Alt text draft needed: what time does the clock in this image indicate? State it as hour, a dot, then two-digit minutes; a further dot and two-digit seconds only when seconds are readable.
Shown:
12.31.59
